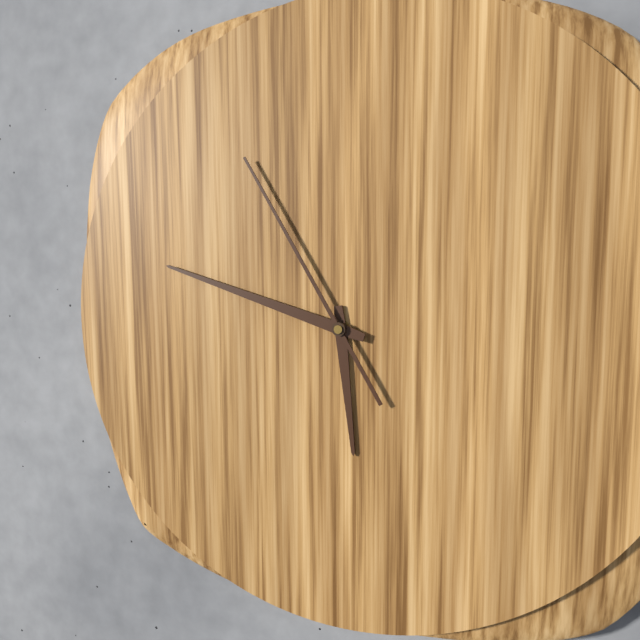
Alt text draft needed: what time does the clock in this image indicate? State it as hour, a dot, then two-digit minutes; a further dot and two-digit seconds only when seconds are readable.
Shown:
5.48.55
